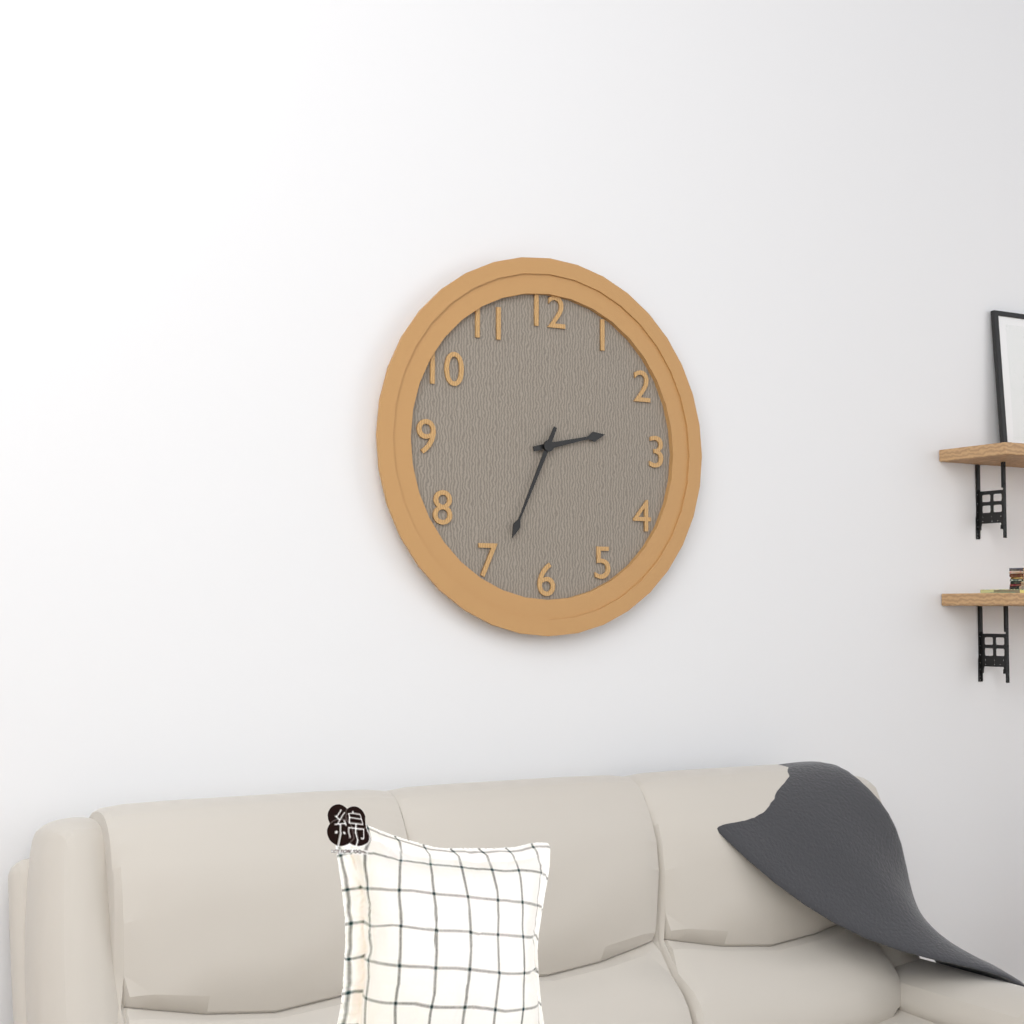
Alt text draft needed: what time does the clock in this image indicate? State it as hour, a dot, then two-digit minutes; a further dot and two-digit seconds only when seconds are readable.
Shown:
2.34
